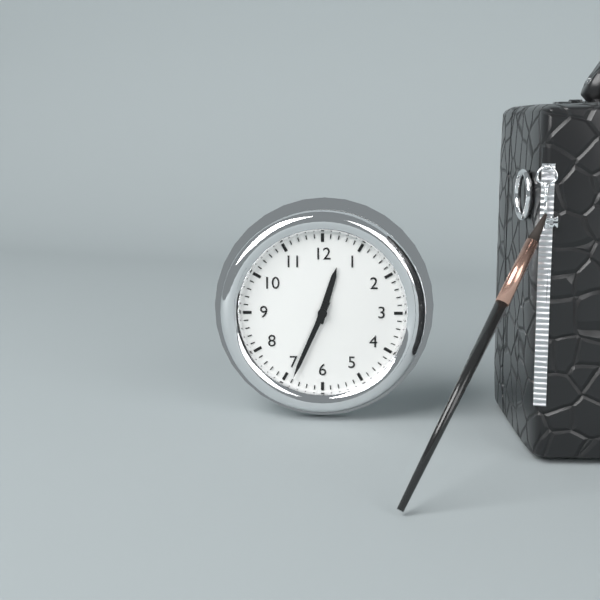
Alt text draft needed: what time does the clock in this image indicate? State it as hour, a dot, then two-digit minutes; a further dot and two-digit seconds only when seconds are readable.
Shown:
12.34
